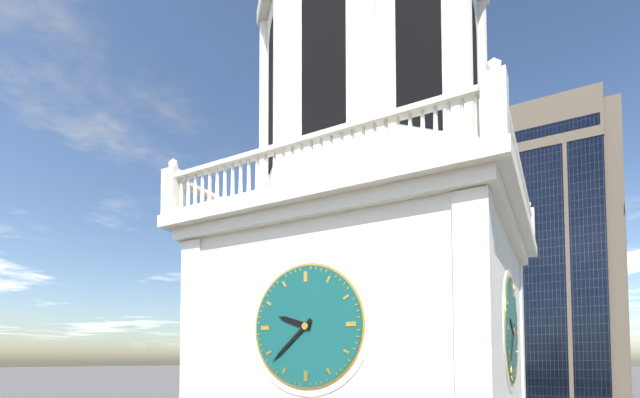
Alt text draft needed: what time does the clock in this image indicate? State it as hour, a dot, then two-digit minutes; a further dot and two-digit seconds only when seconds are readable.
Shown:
9.38
